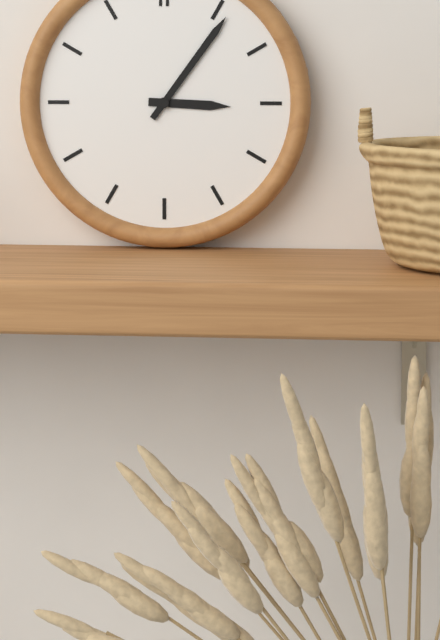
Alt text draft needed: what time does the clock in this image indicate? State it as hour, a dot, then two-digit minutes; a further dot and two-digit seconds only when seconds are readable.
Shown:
3.06
